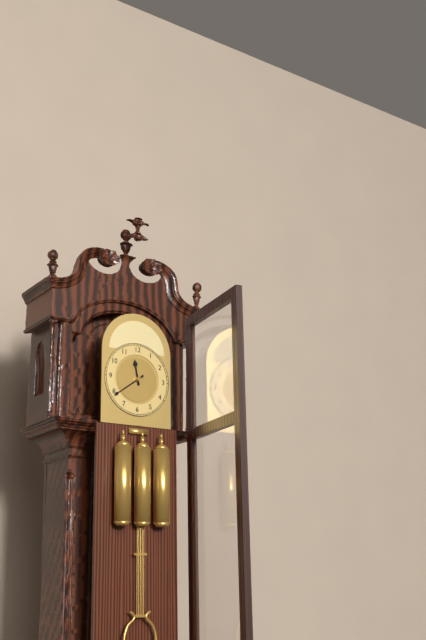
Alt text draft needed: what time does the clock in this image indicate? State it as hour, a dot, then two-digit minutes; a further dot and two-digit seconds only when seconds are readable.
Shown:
11.39
